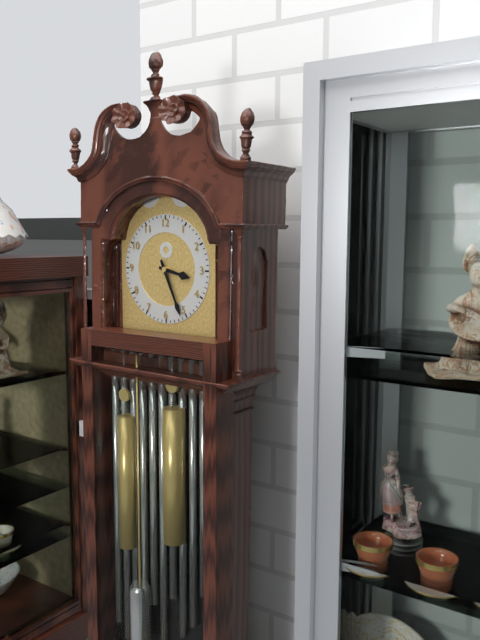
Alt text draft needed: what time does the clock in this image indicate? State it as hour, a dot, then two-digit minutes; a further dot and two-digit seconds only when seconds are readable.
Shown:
3.26
